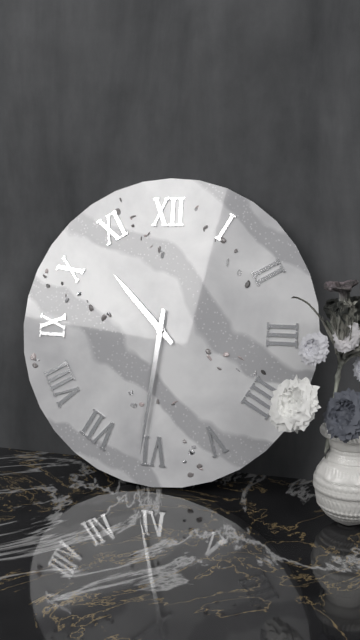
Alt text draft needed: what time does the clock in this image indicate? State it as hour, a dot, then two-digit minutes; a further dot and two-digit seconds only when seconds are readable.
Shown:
10.31
